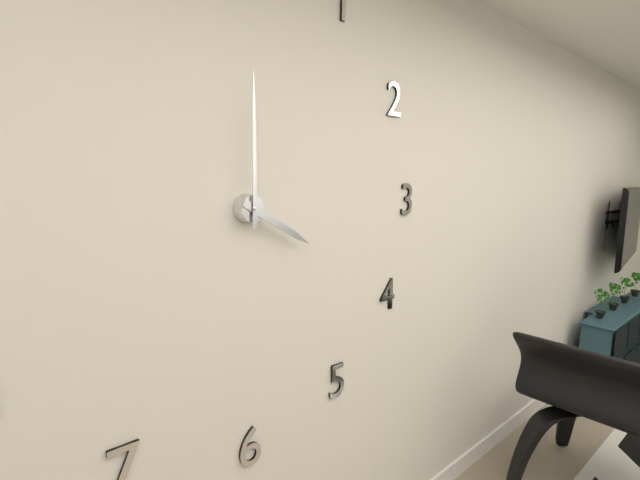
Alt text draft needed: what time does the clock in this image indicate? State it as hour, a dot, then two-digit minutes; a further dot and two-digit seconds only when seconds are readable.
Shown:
4.00
